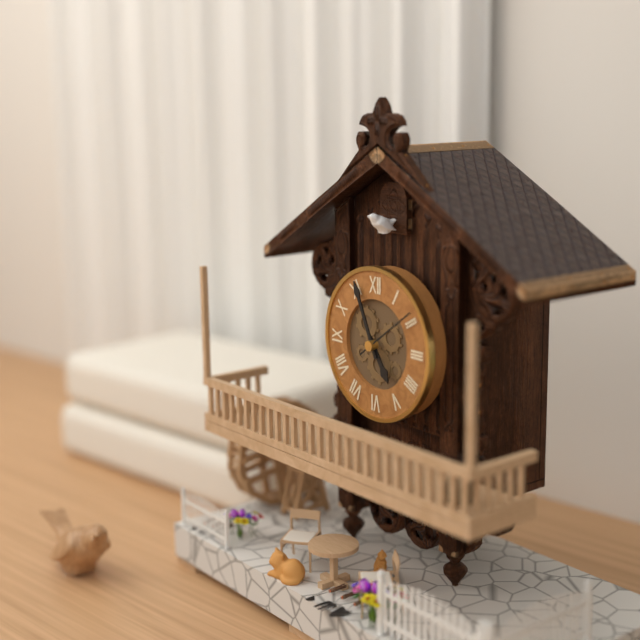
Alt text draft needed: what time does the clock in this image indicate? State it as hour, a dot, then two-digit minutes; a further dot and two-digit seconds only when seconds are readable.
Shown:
4.56
